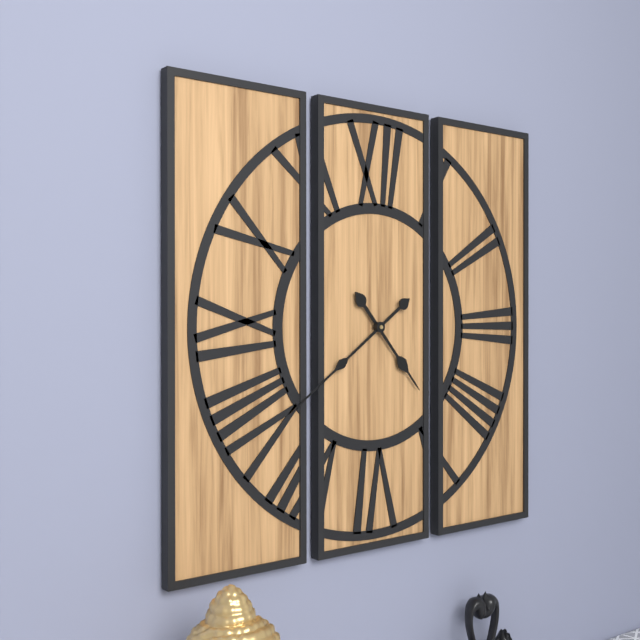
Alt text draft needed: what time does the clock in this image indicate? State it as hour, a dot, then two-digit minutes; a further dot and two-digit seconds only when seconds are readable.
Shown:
4.39
